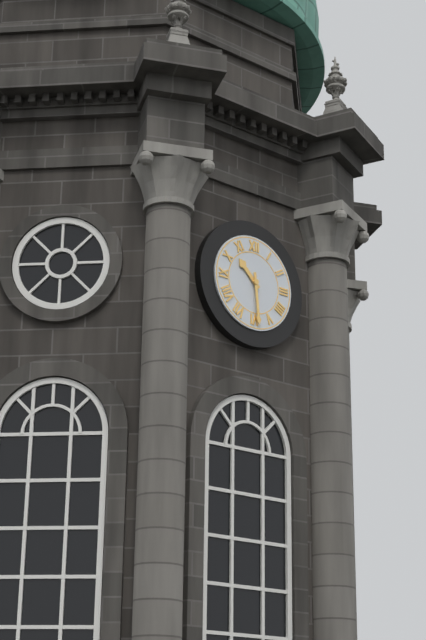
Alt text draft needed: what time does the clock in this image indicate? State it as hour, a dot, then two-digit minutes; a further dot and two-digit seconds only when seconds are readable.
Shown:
10.29
